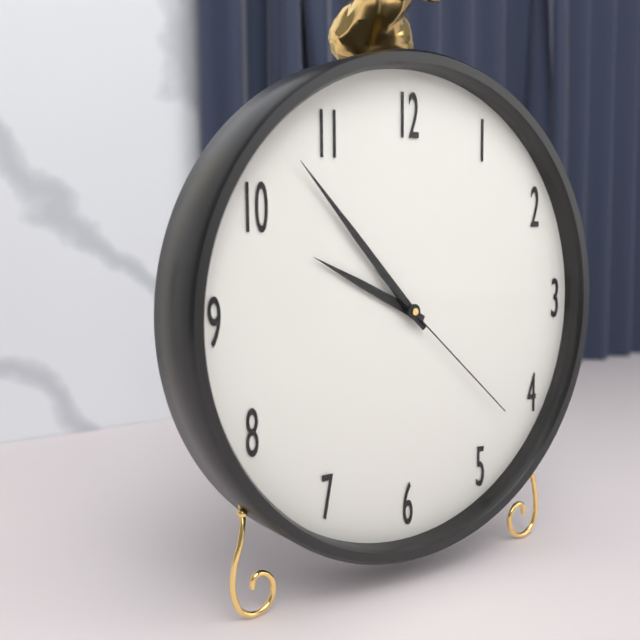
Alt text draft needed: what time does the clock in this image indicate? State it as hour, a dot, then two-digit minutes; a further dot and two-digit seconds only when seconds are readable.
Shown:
9.53.22
